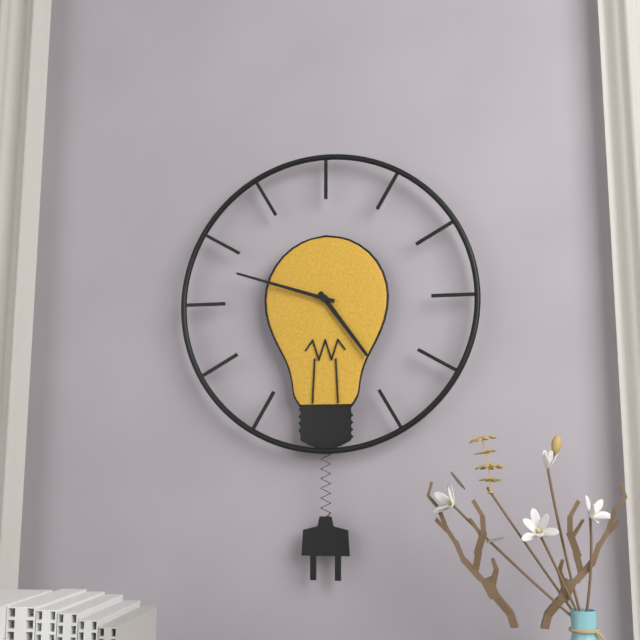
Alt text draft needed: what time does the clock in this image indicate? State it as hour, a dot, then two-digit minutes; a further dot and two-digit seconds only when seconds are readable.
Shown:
4.48
